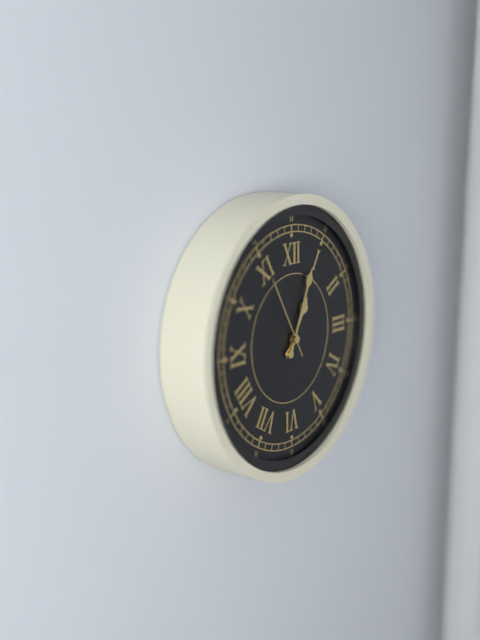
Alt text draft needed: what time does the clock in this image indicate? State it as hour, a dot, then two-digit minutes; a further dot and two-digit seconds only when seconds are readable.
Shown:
1.04.55
